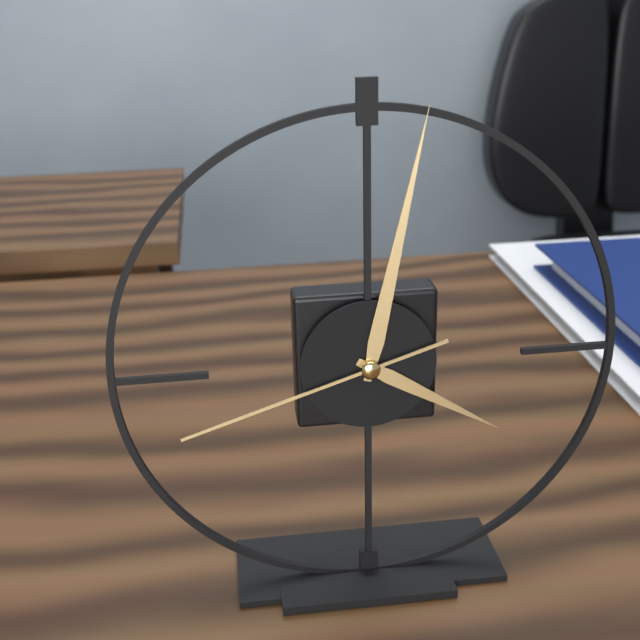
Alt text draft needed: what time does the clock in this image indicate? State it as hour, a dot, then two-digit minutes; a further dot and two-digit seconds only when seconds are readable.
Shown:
4.02.42
